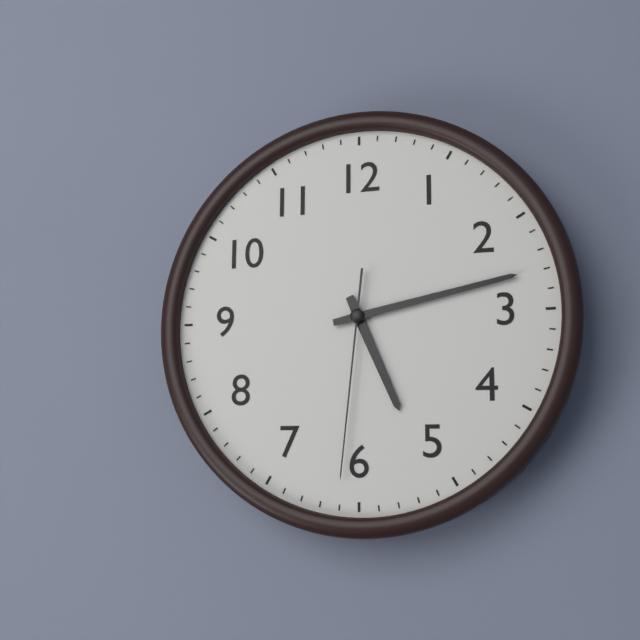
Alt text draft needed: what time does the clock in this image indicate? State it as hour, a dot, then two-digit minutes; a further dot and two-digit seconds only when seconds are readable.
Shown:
5.13.31
